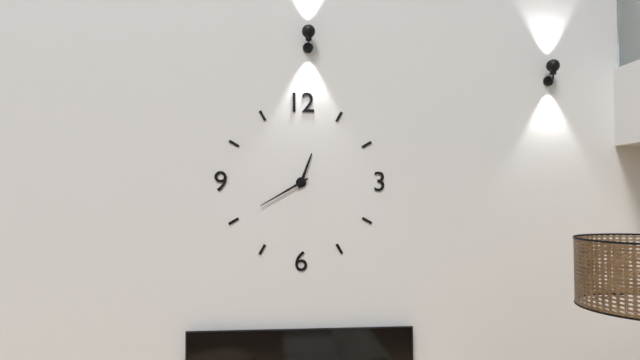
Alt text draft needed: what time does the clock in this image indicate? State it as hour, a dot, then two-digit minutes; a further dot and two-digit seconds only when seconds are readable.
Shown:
12.40
